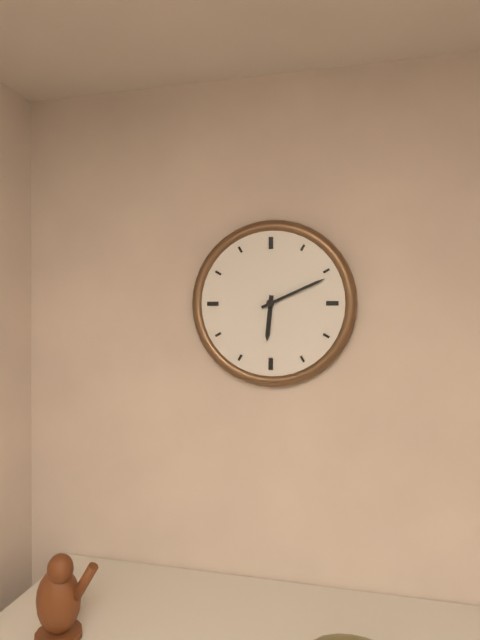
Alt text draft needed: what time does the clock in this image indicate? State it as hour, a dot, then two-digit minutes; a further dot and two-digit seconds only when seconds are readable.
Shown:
6.11
